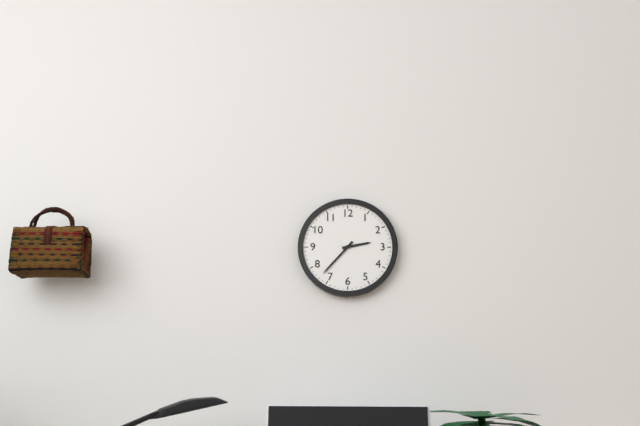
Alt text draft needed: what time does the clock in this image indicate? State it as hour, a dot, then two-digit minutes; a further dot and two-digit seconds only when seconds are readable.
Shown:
2.37
